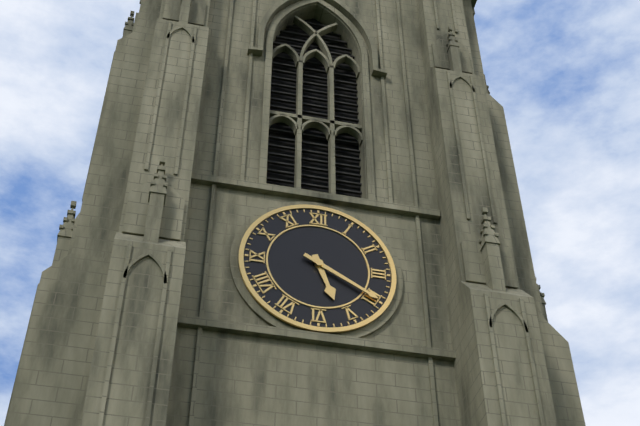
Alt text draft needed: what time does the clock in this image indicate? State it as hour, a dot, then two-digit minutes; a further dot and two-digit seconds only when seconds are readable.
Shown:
5.20
